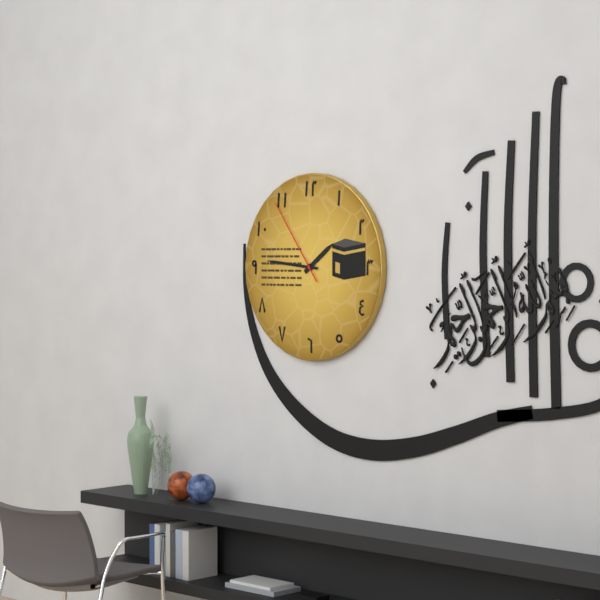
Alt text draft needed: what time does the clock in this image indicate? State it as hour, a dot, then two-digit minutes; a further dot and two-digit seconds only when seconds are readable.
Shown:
1.46.54
